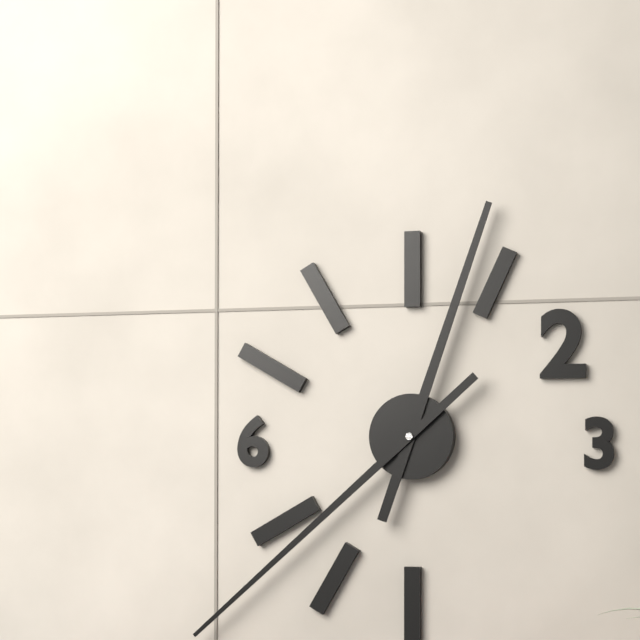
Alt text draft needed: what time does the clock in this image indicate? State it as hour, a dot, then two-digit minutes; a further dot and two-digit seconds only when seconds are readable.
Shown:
12.38
